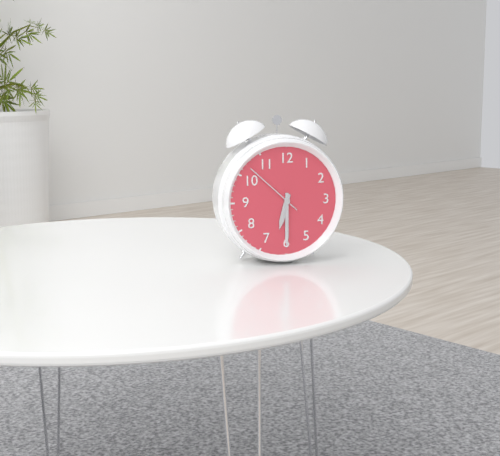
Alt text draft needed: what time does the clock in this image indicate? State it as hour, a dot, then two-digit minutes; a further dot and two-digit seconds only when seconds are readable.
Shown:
6.30.52
